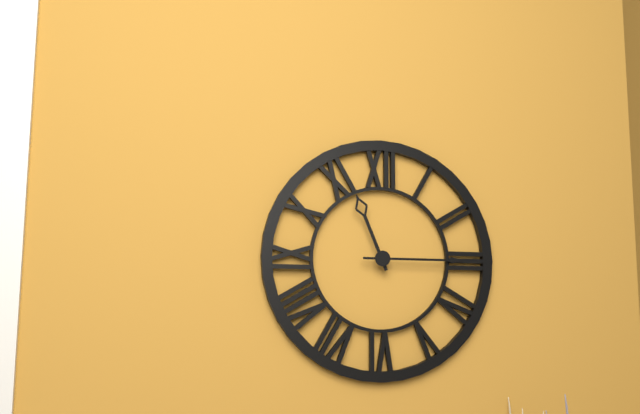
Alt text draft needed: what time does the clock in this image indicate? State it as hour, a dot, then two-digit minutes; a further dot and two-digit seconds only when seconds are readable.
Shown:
11.15
